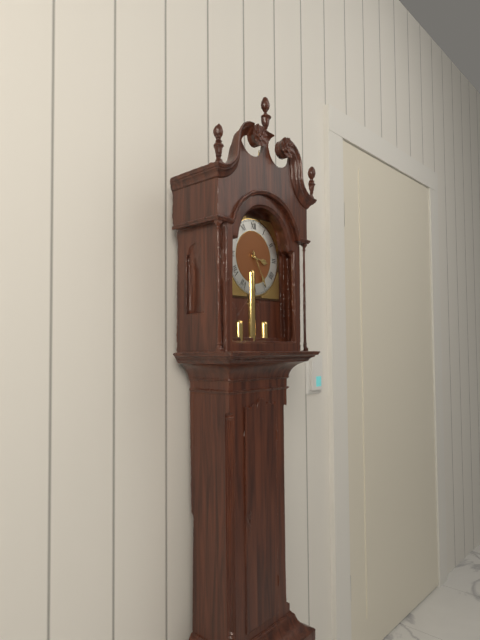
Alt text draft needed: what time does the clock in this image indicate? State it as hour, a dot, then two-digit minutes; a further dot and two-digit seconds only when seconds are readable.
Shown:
3.25
